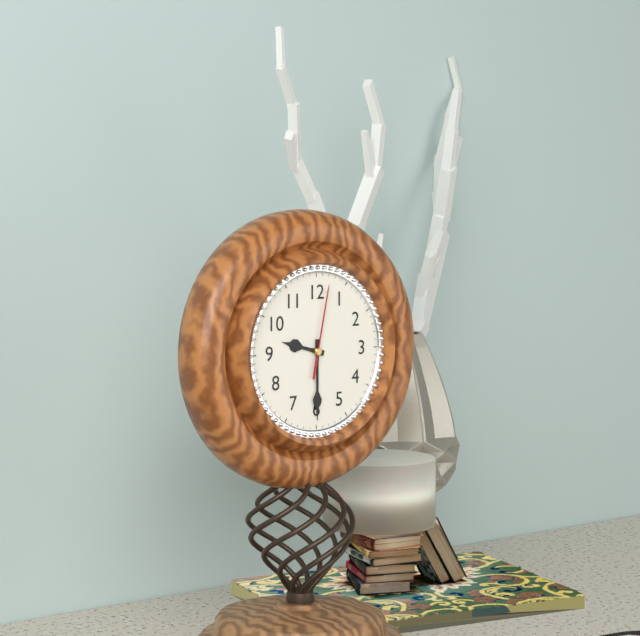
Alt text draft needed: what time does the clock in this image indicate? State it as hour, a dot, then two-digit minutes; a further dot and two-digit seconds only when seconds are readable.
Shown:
9.30.02
